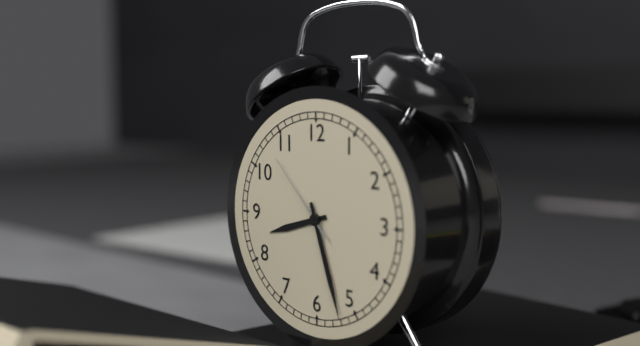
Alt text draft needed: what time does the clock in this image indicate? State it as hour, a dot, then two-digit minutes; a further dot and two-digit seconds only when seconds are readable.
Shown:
8.27.53
